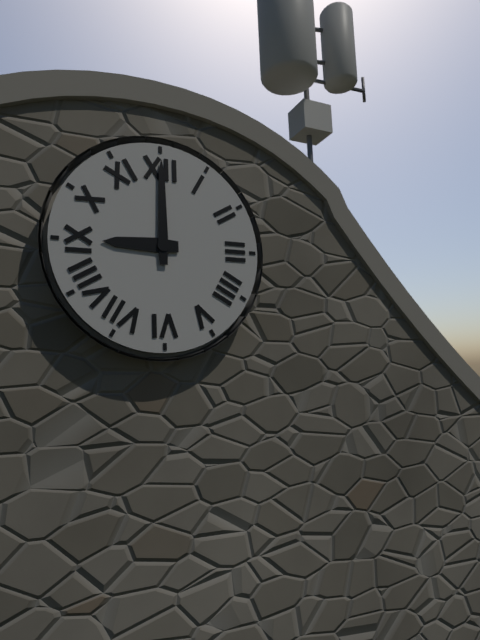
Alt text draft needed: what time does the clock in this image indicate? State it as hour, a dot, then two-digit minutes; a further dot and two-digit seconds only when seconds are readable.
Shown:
9.00
